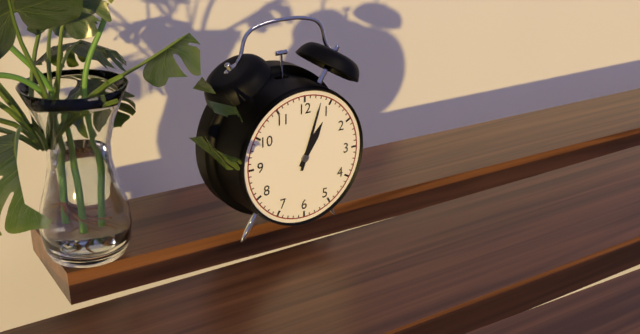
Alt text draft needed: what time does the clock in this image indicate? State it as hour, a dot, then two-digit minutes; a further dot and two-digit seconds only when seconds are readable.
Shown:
1.03
